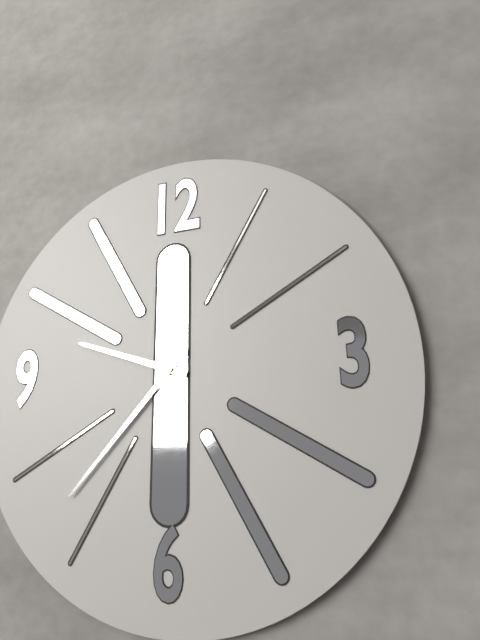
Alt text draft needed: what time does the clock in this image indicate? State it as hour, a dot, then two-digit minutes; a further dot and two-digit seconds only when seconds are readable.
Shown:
9.37
